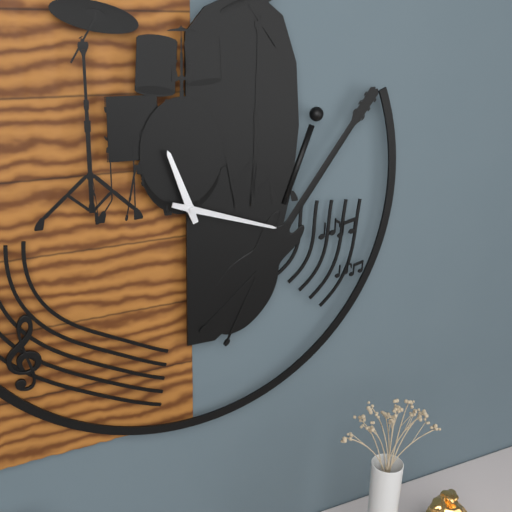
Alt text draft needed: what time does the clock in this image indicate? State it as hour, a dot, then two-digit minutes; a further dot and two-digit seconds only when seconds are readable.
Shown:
11.18
